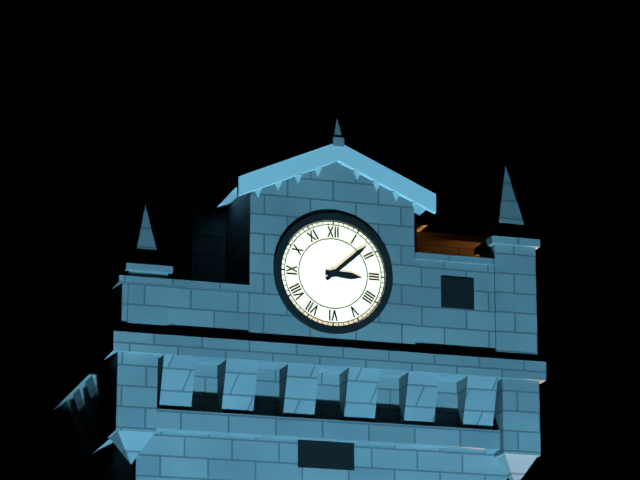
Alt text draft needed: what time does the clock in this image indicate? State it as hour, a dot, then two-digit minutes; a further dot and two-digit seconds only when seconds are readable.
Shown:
3.08
